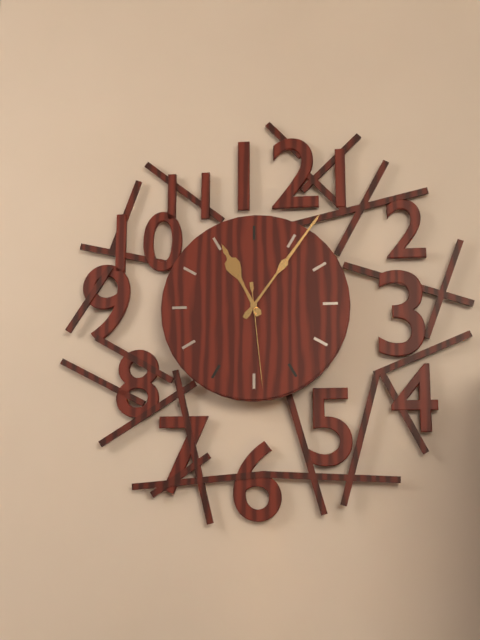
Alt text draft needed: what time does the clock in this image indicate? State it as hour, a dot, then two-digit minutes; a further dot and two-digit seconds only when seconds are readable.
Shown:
11.06.29
